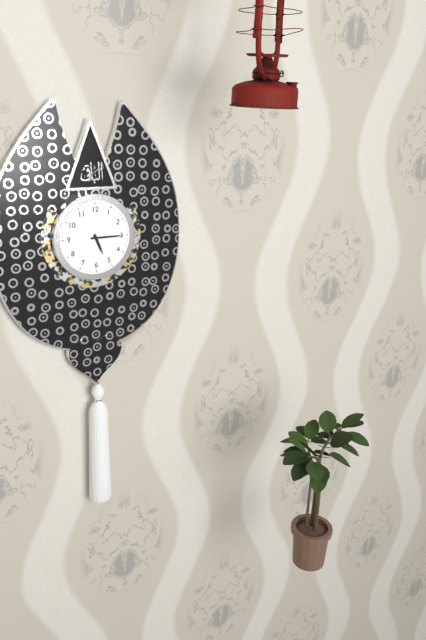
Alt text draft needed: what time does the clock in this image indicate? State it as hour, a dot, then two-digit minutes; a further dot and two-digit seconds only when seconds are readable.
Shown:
5.15
